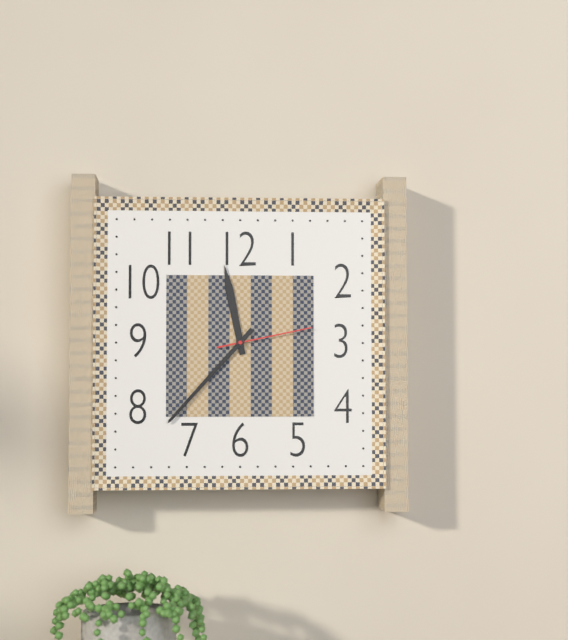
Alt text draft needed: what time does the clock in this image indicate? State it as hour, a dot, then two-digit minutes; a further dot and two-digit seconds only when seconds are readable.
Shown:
11.37.13
